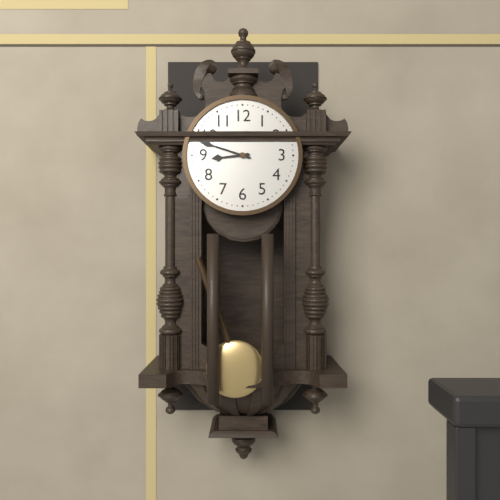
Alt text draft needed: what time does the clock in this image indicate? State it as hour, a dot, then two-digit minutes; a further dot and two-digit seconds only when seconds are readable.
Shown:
8.48
